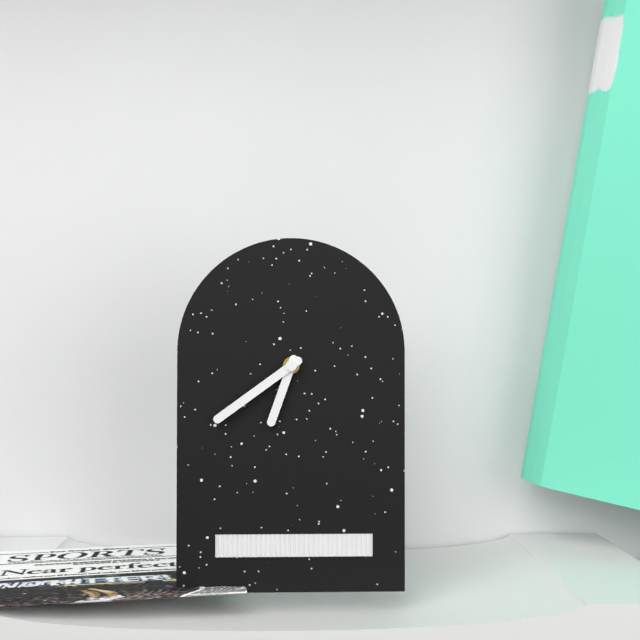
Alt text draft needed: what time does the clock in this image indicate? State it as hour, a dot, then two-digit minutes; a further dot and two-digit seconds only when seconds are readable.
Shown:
6.39
